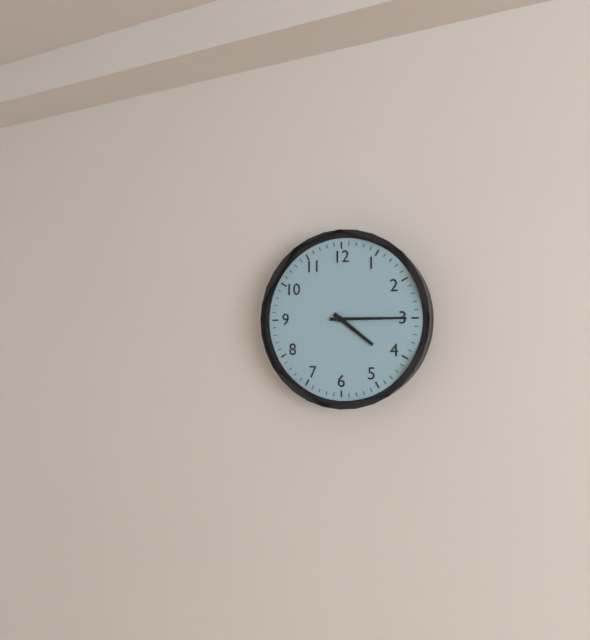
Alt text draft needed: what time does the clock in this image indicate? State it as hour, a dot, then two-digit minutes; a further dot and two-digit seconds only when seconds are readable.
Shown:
4.15
